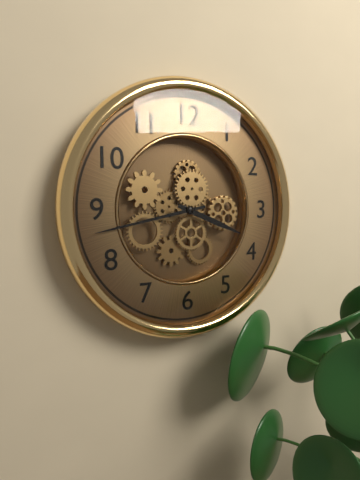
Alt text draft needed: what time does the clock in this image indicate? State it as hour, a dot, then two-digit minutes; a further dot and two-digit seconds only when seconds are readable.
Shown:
3.43
